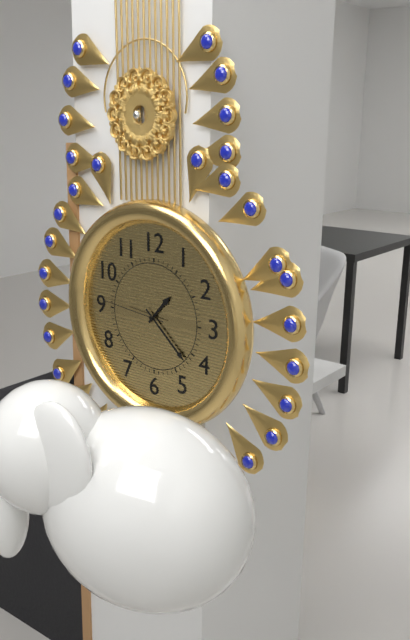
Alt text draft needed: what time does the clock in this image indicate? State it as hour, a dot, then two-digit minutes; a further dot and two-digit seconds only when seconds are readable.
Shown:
1.22.46
